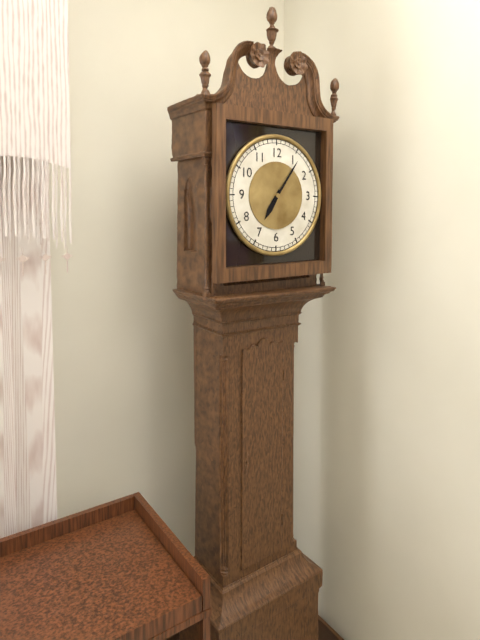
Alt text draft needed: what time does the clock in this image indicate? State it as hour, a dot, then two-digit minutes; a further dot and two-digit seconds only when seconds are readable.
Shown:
7.06
